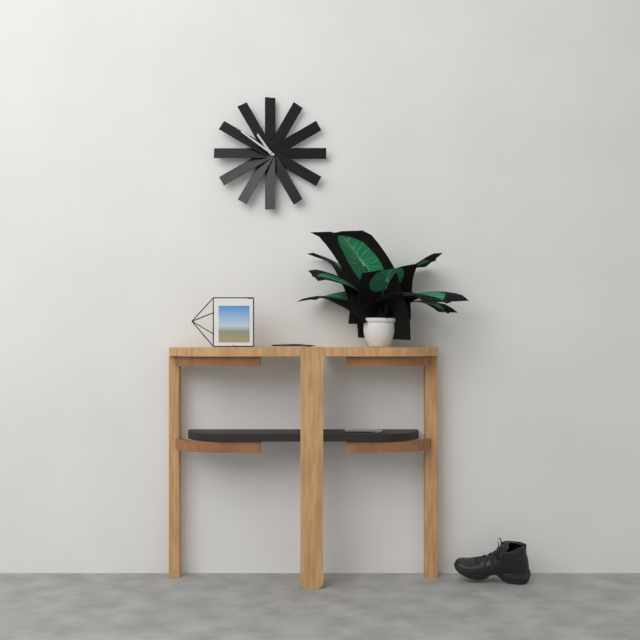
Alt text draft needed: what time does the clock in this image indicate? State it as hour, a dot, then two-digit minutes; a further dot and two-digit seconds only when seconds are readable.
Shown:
10.51
